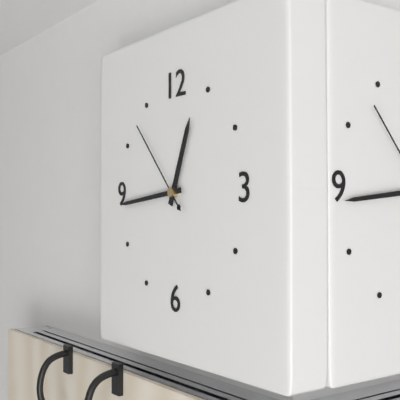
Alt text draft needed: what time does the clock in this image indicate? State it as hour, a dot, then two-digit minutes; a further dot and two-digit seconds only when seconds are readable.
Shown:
12.44.53
